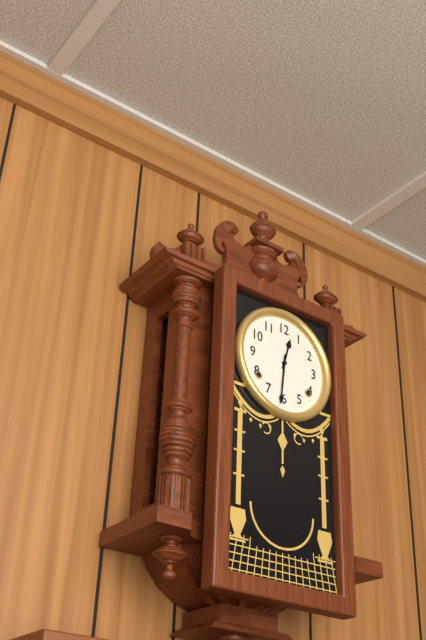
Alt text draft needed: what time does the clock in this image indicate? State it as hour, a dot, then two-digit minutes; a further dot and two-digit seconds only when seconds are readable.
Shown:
12.31
